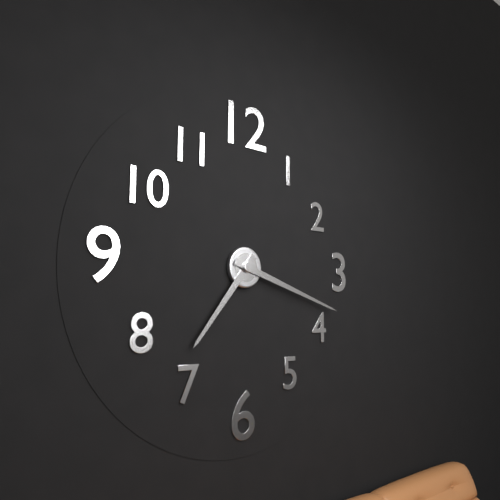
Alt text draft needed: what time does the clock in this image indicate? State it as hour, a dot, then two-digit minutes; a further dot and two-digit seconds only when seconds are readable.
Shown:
7.18
